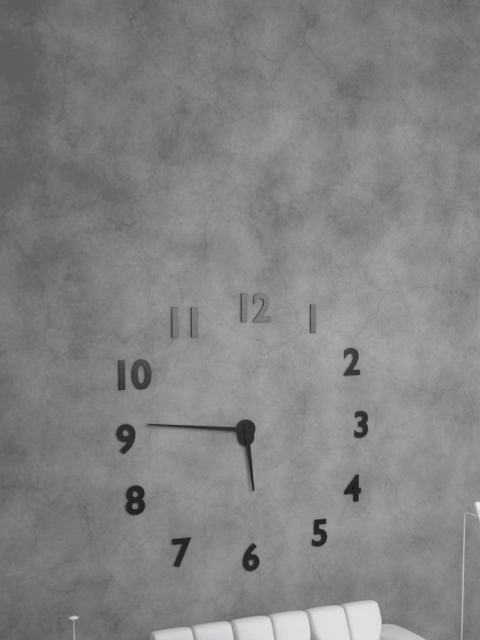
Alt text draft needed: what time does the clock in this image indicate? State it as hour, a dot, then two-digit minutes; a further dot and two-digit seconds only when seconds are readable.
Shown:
5.46
